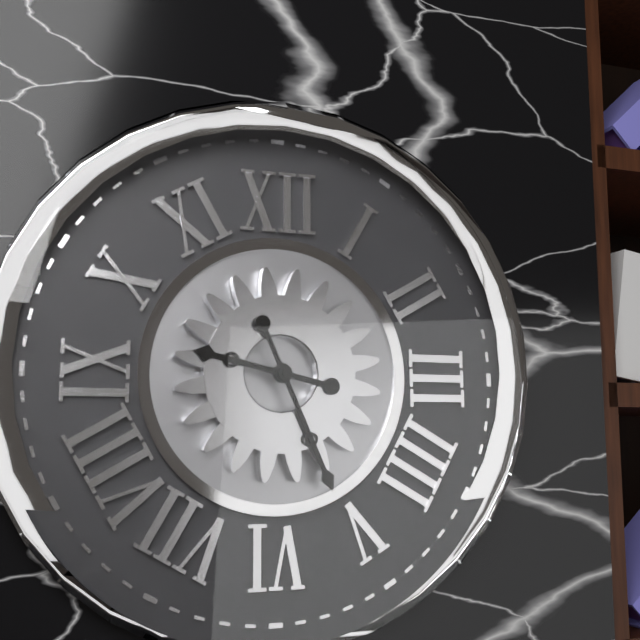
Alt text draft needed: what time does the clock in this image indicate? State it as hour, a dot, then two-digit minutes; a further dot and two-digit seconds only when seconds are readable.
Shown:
9.26
